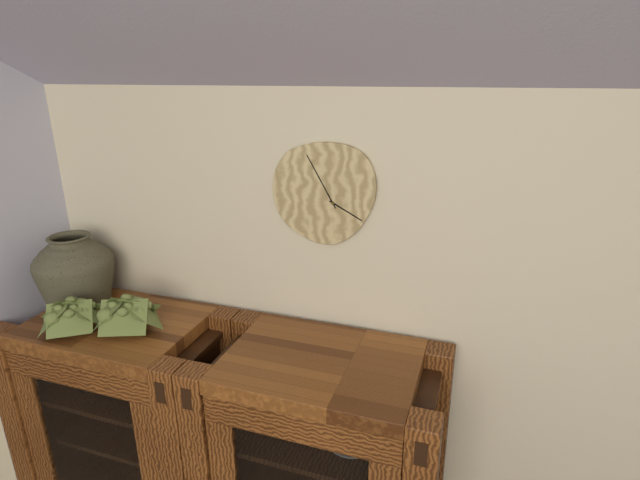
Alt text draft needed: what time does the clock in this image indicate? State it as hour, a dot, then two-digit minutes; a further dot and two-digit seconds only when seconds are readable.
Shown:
3.55
